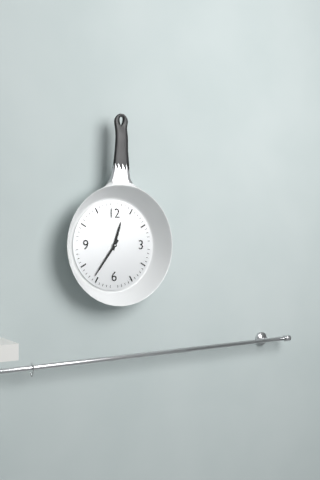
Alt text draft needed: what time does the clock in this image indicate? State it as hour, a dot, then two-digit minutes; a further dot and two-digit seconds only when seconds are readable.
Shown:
12.36
